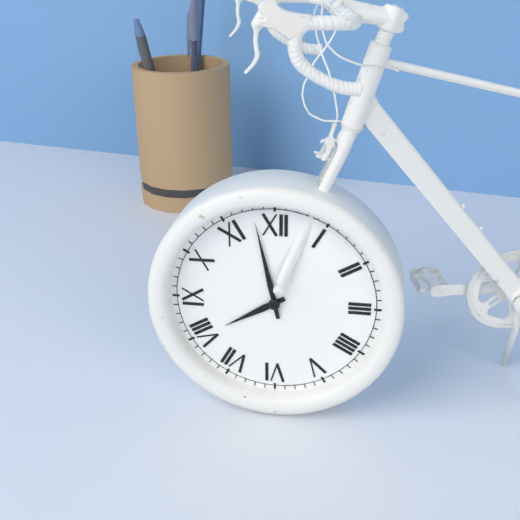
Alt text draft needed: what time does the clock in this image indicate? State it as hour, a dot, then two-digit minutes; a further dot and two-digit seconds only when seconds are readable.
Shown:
7.58
